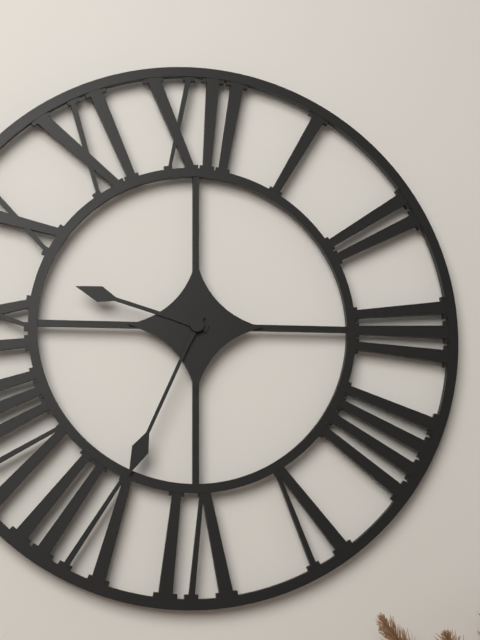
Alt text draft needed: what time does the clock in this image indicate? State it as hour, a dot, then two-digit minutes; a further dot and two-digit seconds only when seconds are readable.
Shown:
9.34
